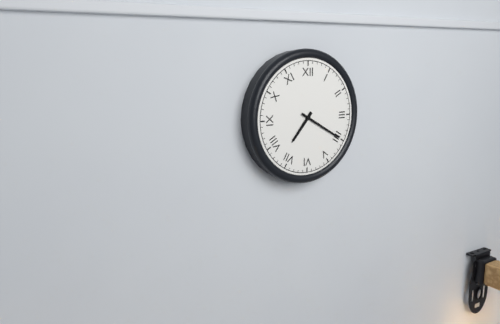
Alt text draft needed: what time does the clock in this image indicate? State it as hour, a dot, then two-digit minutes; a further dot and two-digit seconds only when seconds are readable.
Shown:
7.20
